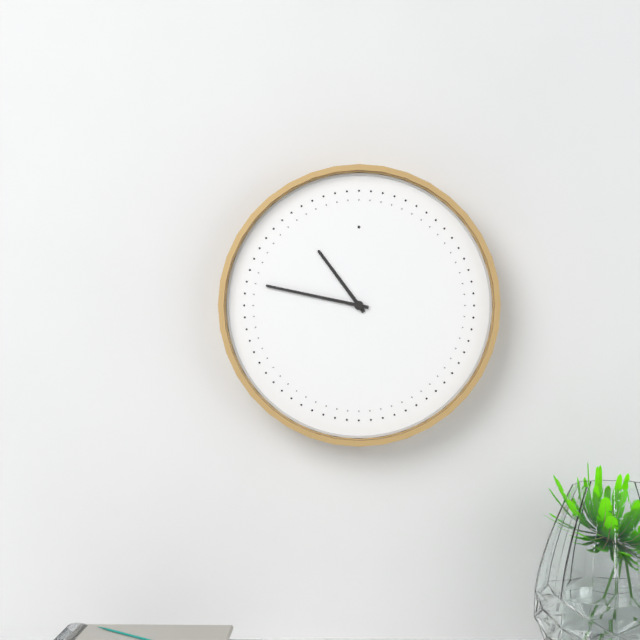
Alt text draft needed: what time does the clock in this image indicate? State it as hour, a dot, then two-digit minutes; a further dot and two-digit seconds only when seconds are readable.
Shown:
10.47
